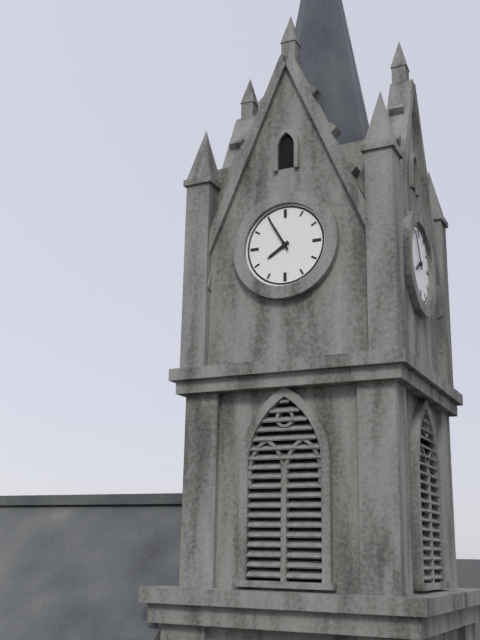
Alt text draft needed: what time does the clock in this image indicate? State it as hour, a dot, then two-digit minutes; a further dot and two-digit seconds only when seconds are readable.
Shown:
7.55
